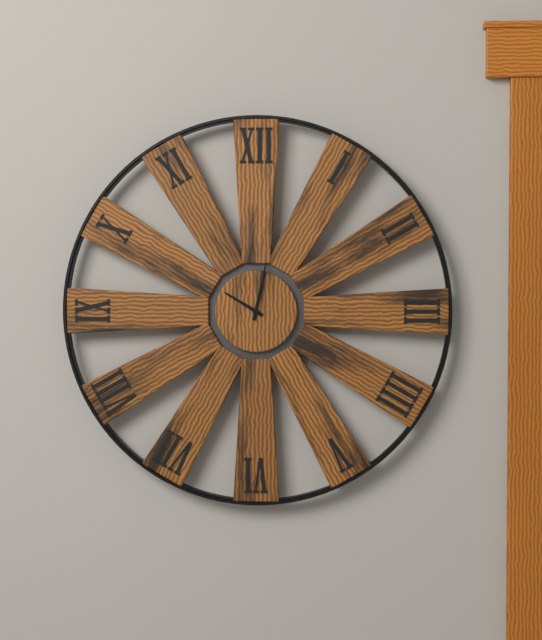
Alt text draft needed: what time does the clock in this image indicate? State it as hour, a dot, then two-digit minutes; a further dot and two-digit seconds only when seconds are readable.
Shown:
10.02
